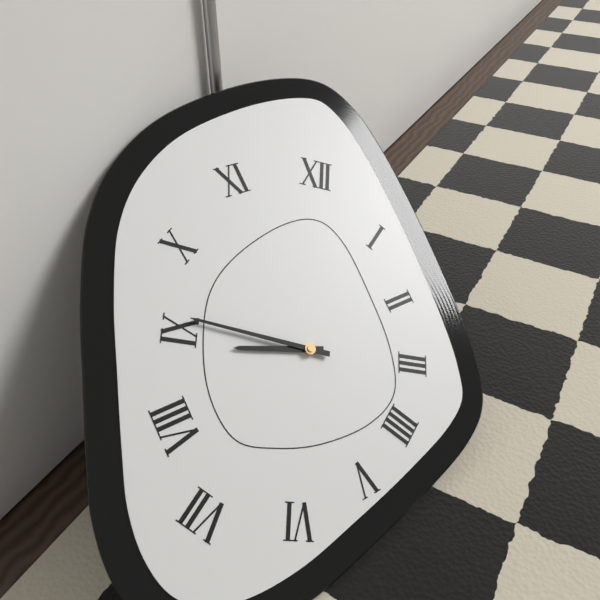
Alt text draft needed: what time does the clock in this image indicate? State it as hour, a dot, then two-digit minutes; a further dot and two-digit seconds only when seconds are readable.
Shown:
8.46
